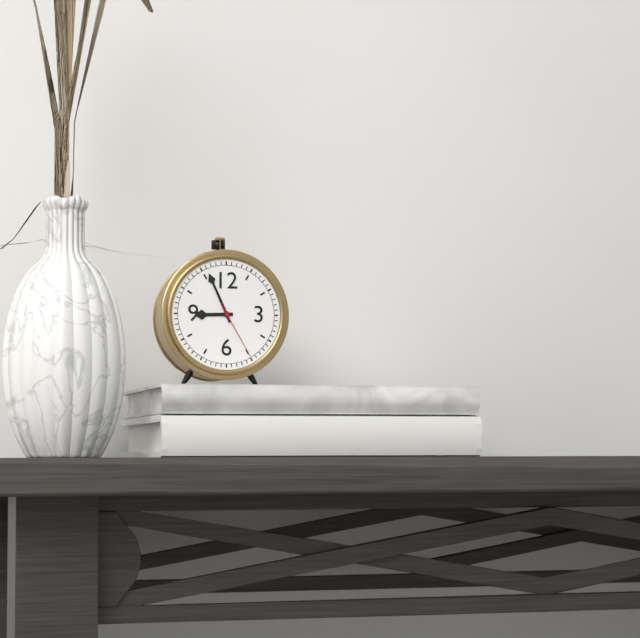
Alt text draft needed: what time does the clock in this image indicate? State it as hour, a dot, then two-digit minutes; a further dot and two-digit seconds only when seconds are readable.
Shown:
8.56.25
